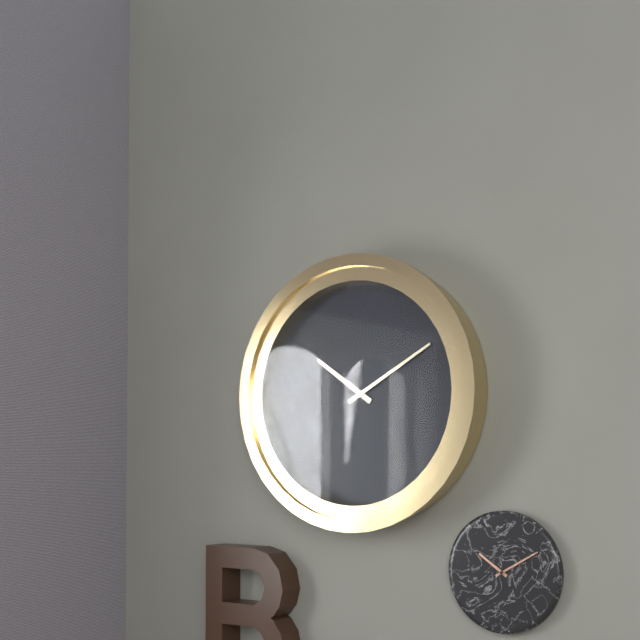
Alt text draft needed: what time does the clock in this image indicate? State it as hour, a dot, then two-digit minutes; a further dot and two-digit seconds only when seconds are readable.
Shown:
10.10
